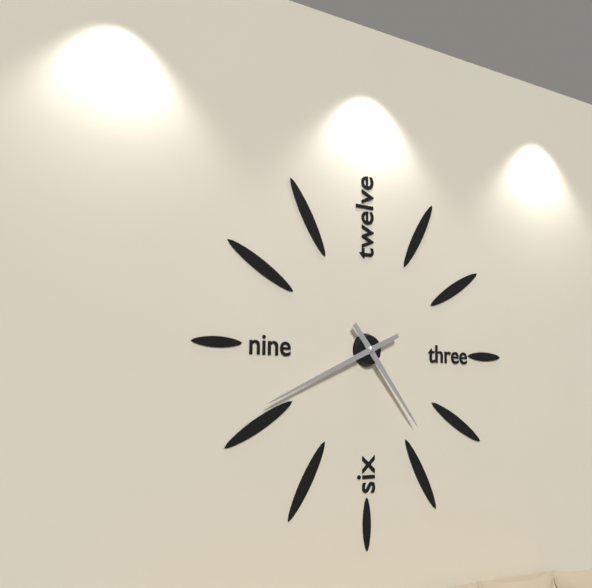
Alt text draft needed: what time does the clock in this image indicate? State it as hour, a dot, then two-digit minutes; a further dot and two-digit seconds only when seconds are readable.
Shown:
4.41
